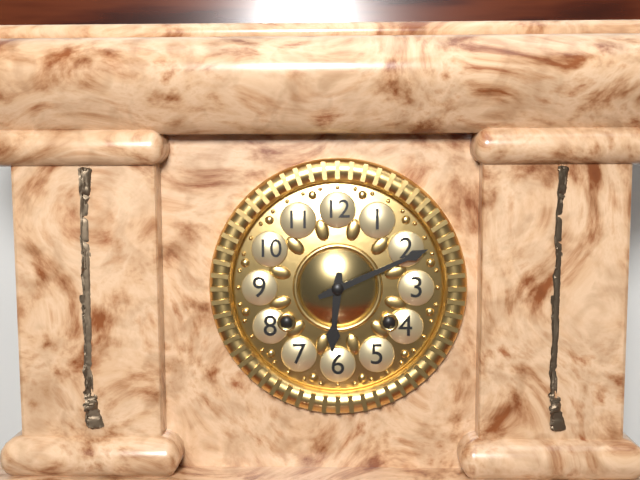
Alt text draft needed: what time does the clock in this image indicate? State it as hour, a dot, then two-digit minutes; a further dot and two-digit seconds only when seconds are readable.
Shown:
6.11
